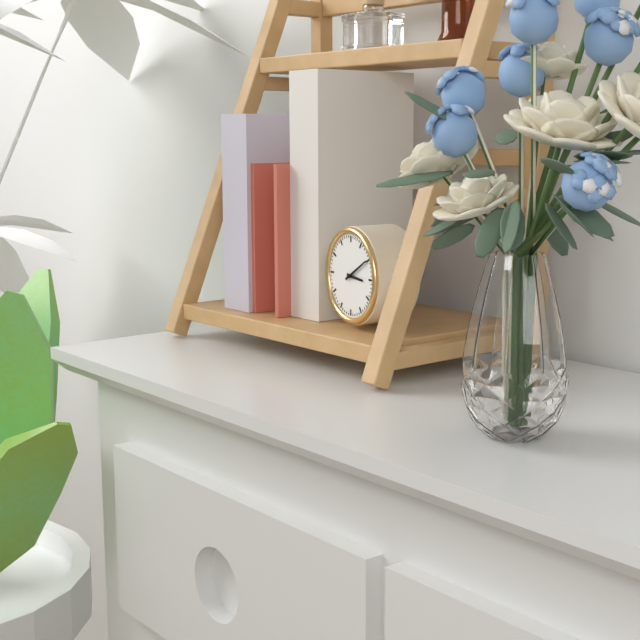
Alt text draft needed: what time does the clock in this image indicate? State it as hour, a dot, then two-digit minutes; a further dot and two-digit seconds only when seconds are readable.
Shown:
3.10
